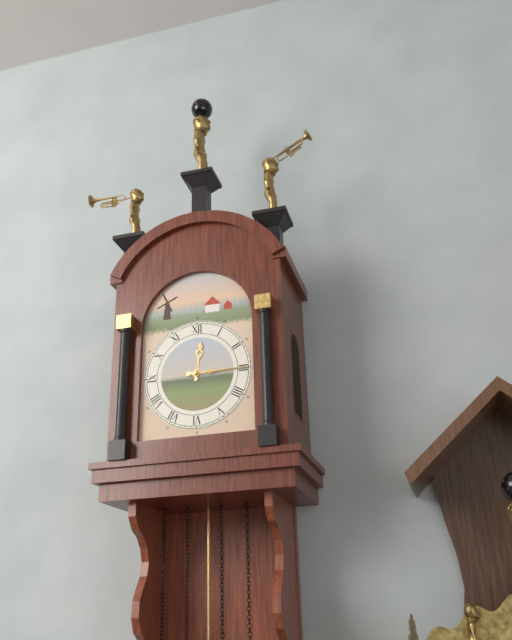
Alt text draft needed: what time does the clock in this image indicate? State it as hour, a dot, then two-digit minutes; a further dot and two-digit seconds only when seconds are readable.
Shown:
12.15
